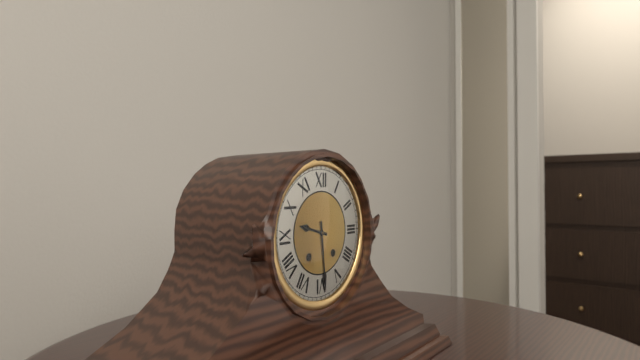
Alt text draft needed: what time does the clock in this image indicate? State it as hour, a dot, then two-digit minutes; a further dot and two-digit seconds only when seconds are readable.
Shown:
9.29
